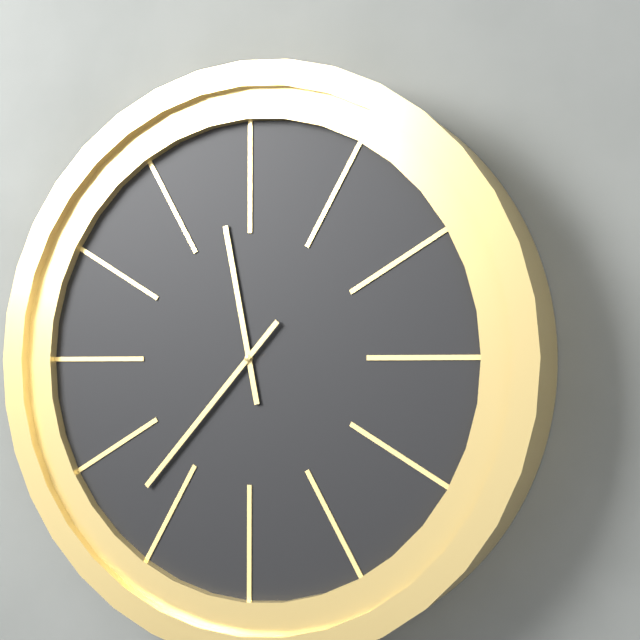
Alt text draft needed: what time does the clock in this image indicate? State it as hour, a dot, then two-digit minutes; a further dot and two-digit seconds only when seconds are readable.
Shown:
11.37
